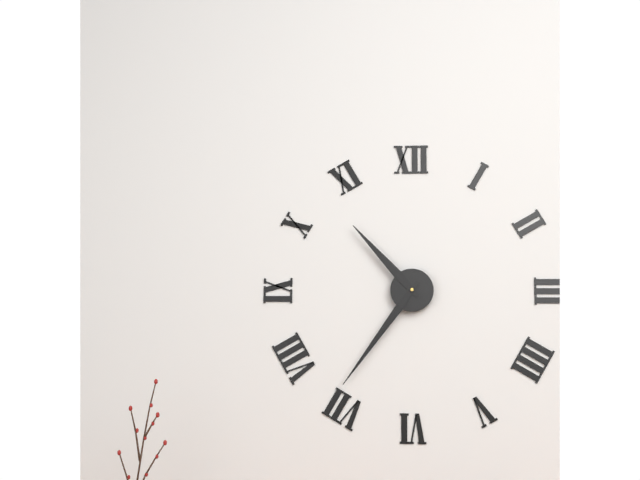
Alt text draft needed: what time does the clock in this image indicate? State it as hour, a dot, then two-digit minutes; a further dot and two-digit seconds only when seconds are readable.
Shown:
10.36
